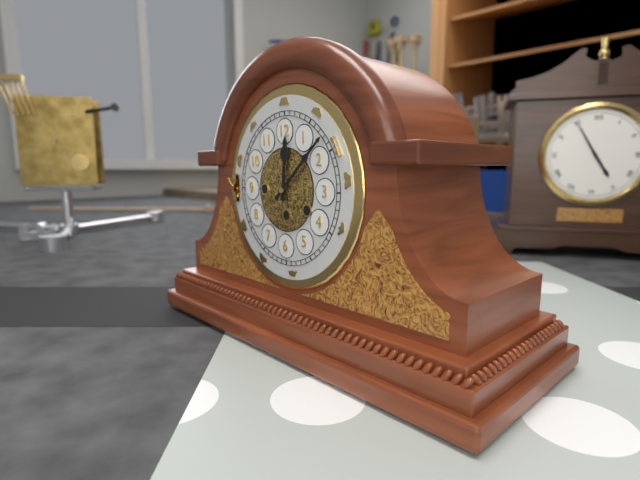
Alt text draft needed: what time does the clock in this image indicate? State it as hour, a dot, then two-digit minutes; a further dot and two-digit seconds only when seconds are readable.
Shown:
12.08
